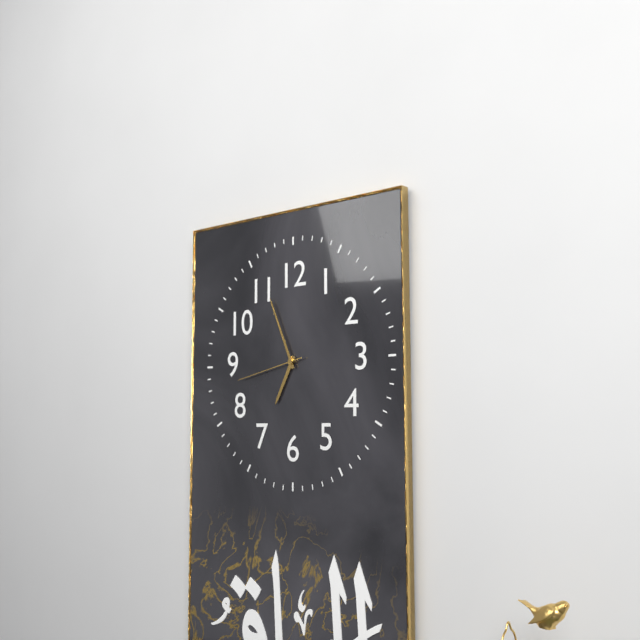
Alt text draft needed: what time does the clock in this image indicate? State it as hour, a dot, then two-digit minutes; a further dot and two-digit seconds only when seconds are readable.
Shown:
6.56.43
